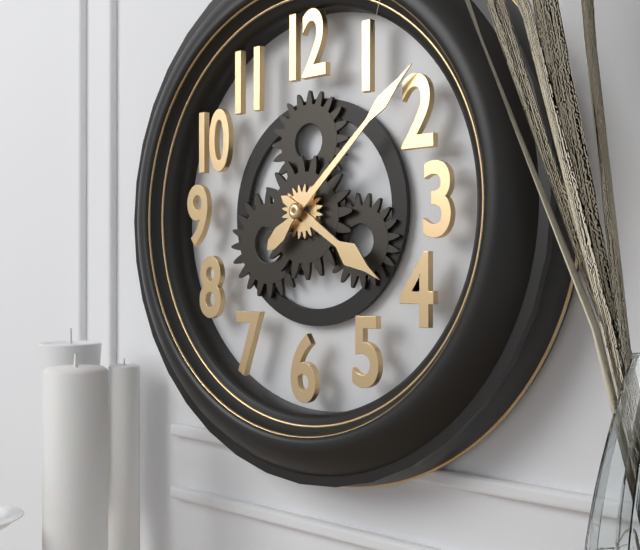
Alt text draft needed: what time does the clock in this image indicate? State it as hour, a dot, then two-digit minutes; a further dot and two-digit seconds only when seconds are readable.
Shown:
4.08
